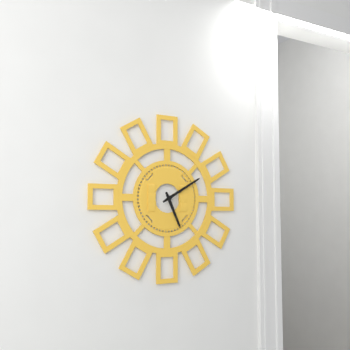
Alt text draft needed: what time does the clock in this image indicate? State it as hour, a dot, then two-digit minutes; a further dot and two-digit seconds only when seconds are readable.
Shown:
5.10
